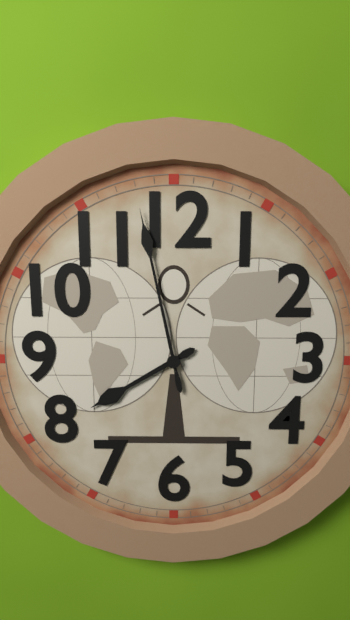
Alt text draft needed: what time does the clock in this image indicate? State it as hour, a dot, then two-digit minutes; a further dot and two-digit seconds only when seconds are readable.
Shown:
7.58
